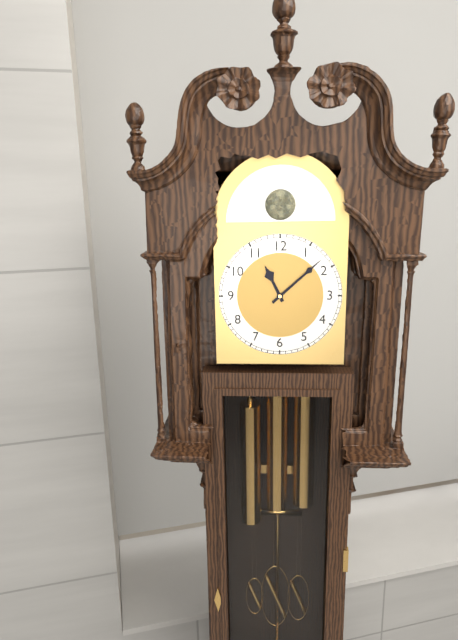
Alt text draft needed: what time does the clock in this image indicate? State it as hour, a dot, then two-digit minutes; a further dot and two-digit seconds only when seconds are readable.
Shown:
11.08
